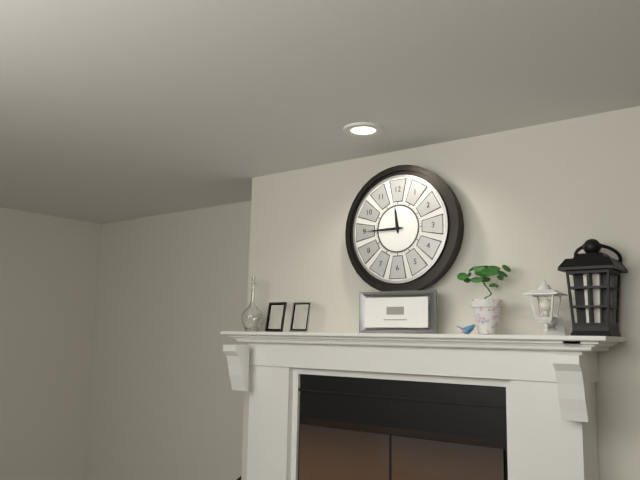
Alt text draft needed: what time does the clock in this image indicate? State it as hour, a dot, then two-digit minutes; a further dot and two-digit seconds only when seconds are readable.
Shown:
11.45
